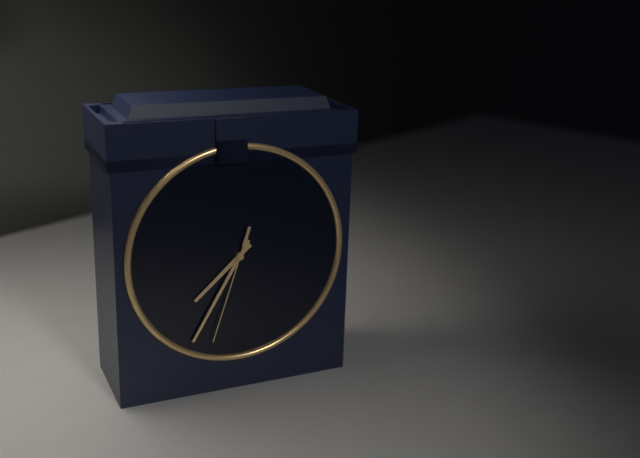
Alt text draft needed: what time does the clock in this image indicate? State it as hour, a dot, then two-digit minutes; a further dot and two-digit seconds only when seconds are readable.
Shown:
7.35.33
